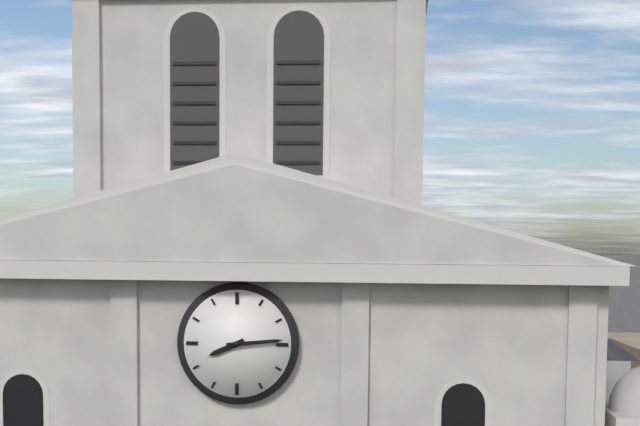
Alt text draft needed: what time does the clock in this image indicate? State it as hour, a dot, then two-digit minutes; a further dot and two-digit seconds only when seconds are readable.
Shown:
8.14
